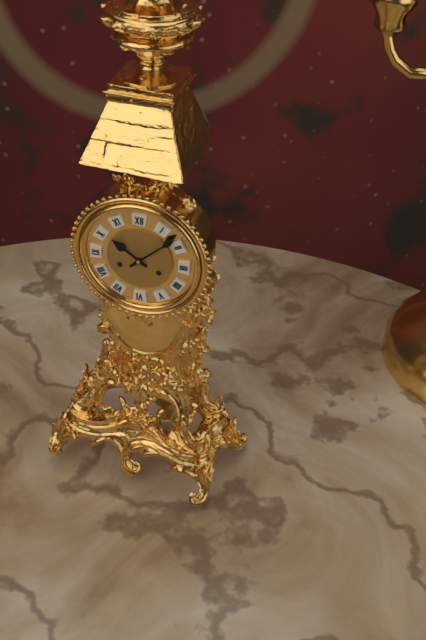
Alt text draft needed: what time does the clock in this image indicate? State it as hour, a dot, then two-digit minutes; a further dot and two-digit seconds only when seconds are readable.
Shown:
10.08
